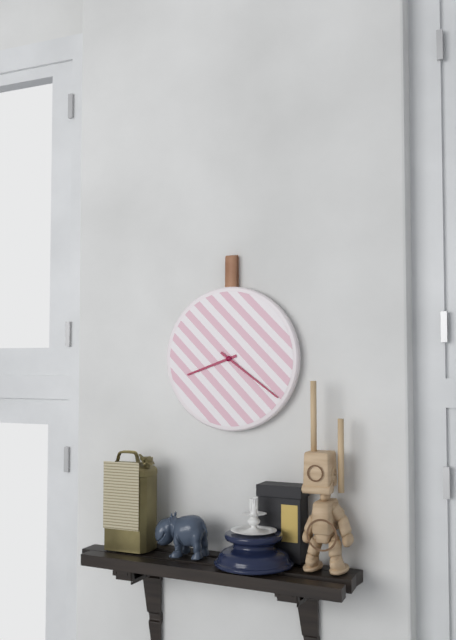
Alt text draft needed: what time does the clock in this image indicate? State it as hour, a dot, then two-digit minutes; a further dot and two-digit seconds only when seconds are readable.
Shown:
8.21
